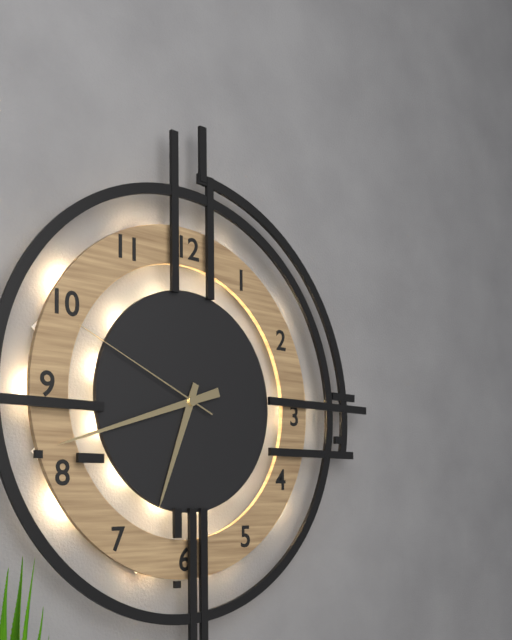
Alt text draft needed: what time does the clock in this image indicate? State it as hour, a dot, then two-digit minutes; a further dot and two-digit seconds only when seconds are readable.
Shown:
6.42.49
